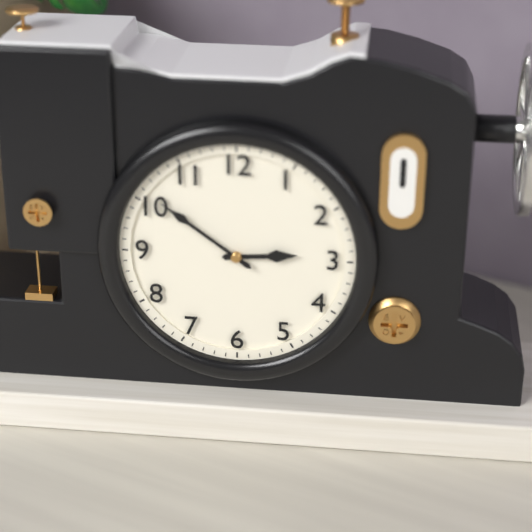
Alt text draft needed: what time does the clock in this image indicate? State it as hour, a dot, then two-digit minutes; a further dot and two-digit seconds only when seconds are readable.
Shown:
2.51
